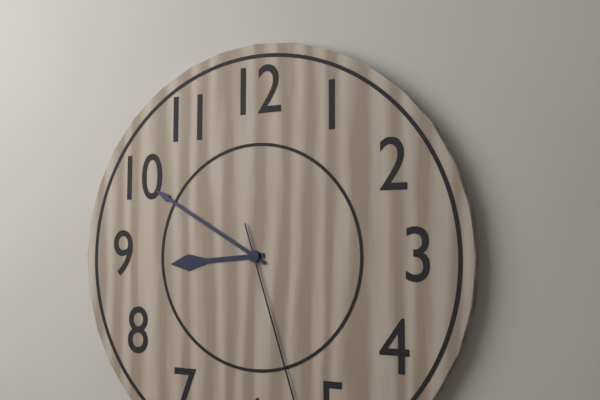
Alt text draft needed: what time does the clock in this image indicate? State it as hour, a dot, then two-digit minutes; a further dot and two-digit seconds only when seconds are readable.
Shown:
8.50
